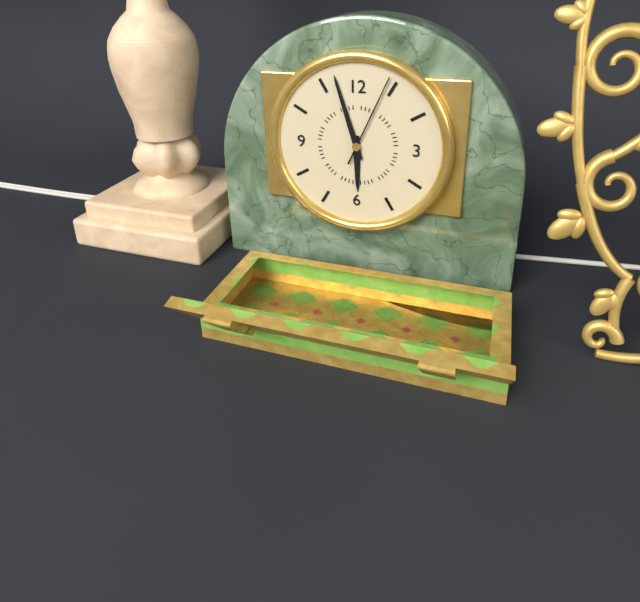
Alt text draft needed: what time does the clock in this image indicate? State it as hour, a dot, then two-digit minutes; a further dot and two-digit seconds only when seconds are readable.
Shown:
5.57.04
